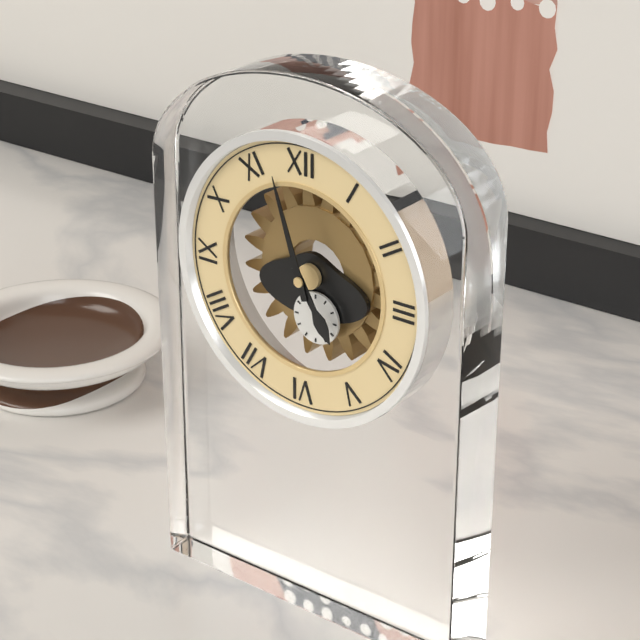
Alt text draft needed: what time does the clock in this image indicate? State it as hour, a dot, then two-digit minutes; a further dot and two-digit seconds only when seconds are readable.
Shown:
4.57
